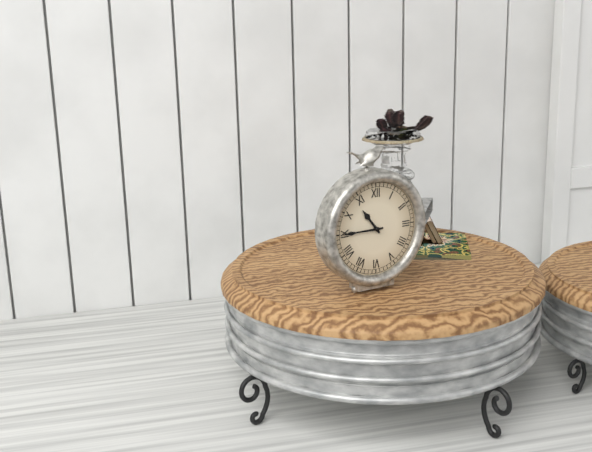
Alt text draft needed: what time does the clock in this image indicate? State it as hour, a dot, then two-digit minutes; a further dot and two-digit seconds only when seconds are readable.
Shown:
10.45
